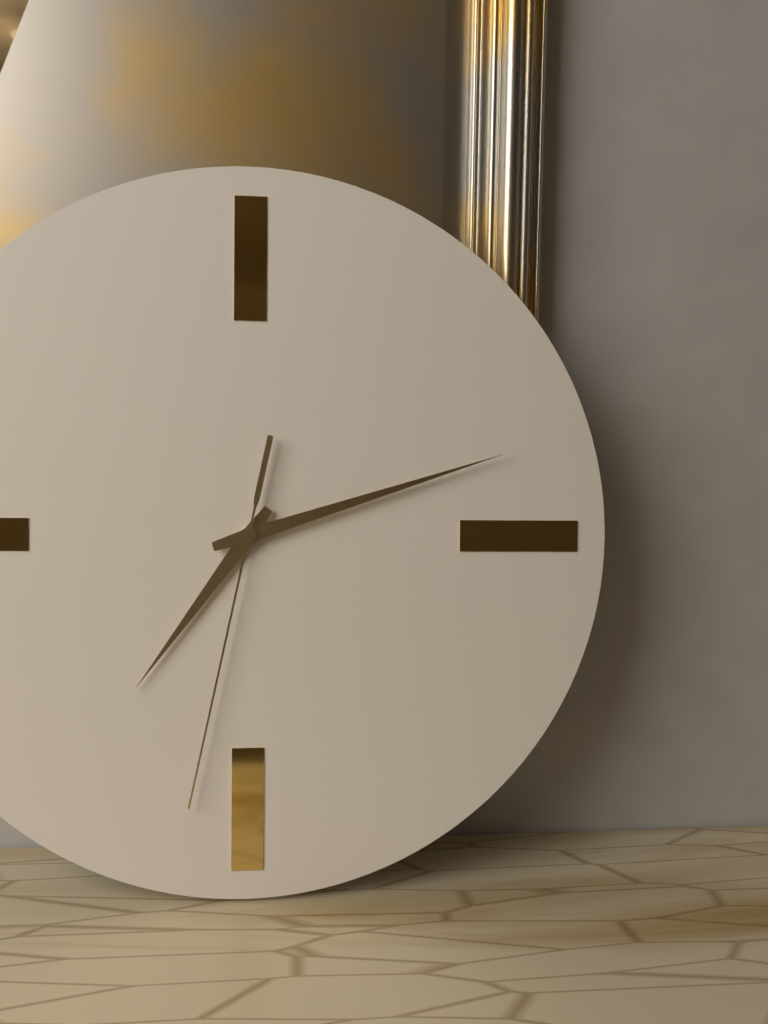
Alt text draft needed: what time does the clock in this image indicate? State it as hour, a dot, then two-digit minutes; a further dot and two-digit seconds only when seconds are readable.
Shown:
7.12.32
